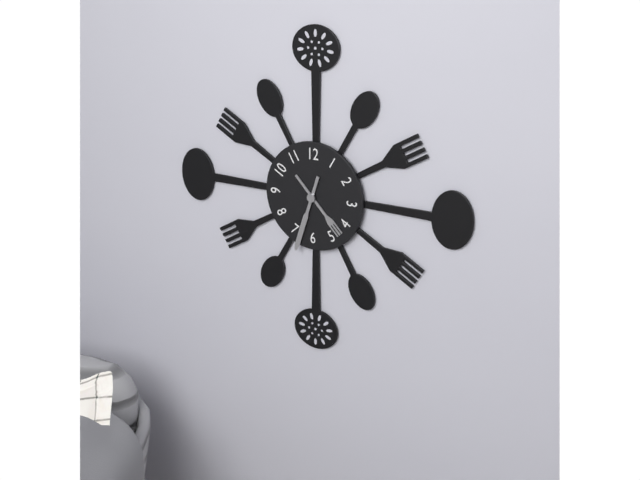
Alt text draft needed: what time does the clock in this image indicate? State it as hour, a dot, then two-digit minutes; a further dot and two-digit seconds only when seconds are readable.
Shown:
4.33
